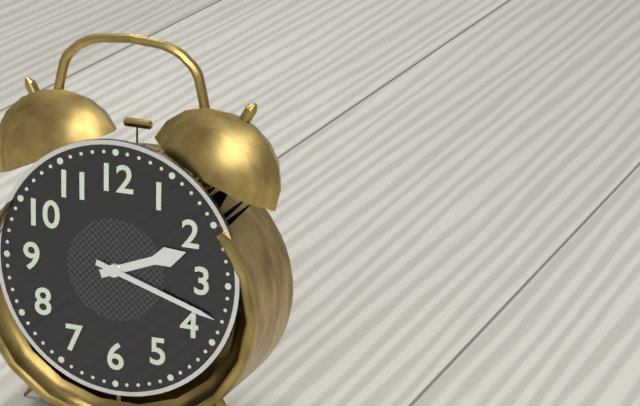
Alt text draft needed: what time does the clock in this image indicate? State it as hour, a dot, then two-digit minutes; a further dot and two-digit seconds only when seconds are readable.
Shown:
2.18
